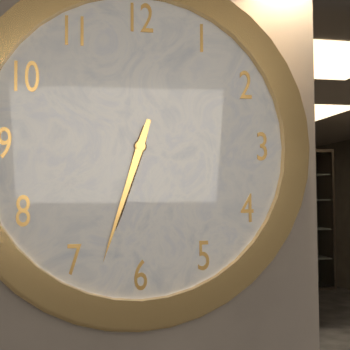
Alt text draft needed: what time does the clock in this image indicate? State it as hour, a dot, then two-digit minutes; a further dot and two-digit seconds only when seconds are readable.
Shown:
6.33
